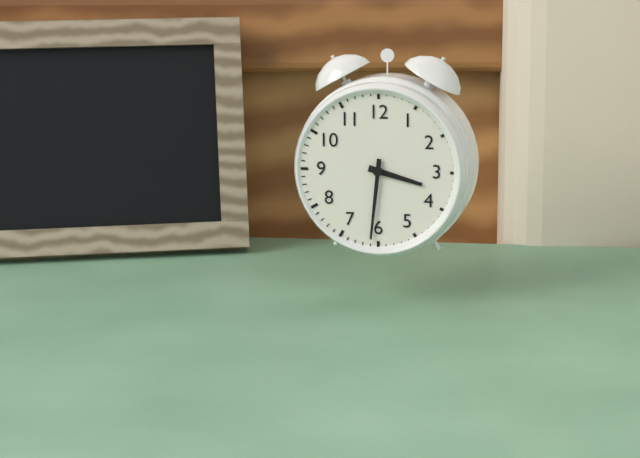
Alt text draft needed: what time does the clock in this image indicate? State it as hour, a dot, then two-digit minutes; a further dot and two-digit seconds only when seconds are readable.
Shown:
3.31
